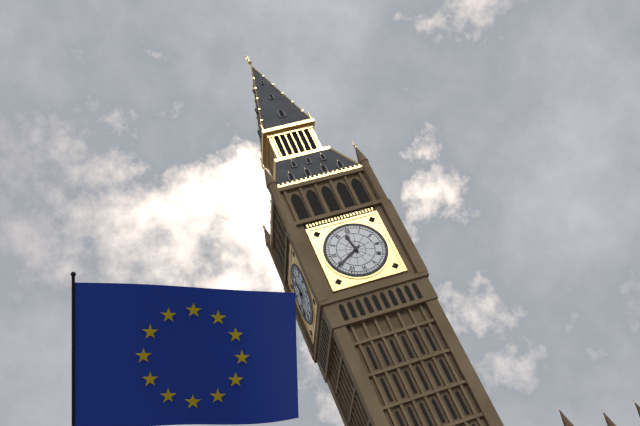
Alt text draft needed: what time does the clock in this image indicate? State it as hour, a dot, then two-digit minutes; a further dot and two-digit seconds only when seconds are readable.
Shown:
11.40
